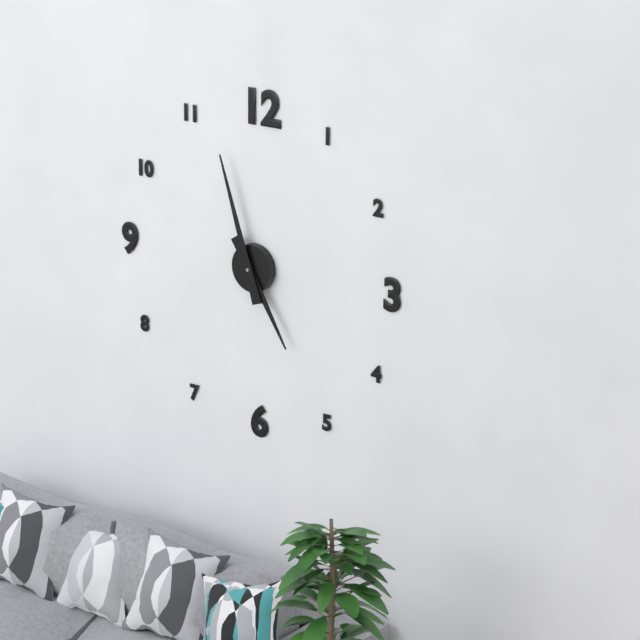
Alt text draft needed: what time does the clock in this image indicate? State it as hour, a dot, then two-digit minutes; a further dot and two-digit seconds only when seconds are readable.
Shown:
4.57
